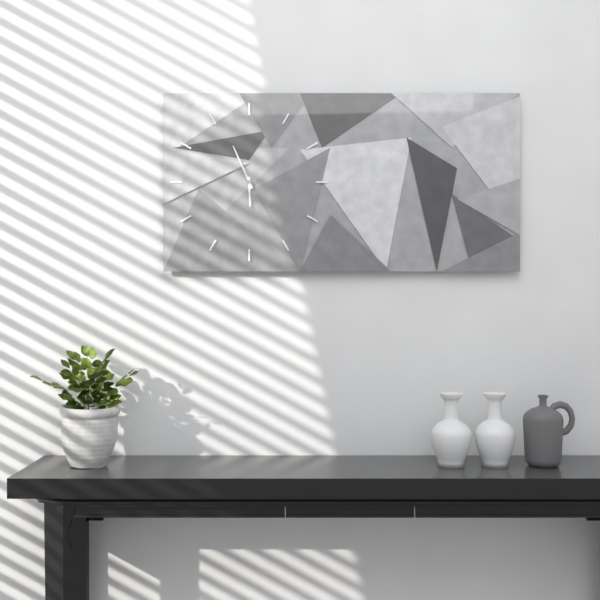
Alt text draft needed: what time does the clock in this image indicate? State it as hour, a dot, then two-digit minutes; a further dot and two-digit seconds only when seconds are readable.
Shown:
5.56
